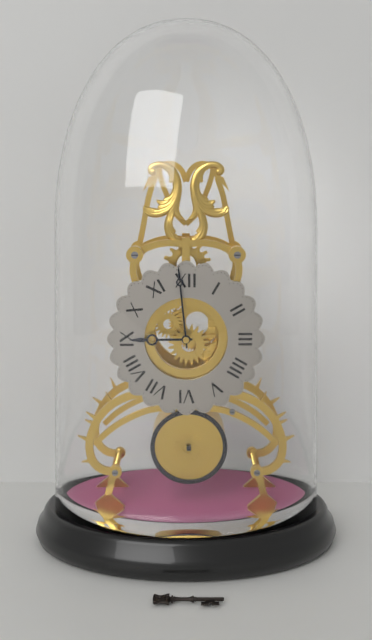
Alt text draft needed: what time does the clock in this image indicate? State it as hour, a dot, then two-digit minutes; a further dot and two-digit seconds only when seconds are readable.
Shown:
8.59
